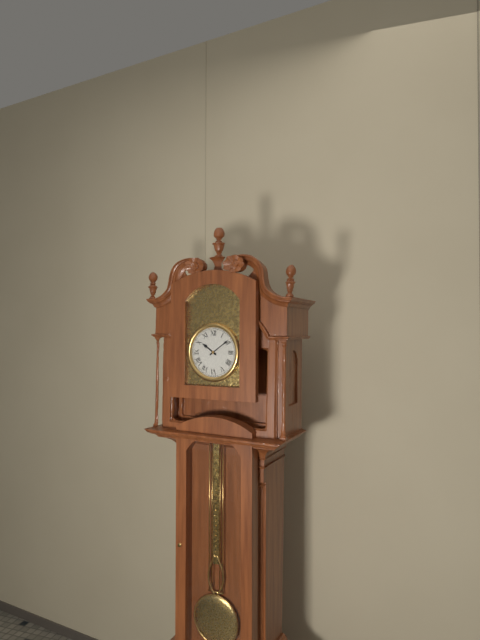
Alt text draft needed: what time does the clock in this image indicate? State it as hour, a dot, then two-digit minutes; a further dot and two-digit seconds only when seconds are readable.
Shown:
10.09
